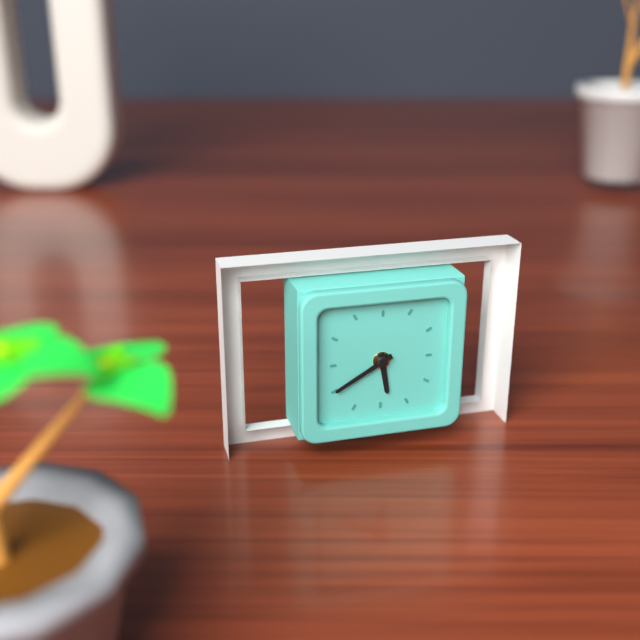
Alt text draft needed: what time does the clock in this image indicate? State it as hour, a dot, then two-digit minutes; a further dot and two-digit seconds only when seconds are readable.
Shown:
5.40
